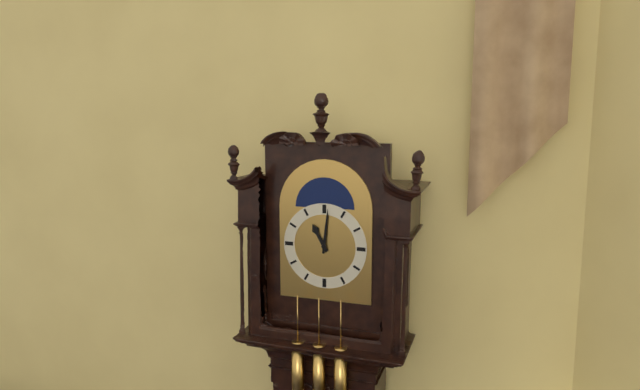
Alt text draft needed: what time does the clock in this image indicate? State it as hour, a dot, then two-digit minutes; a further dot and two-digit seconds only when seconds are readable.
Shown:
11.01
